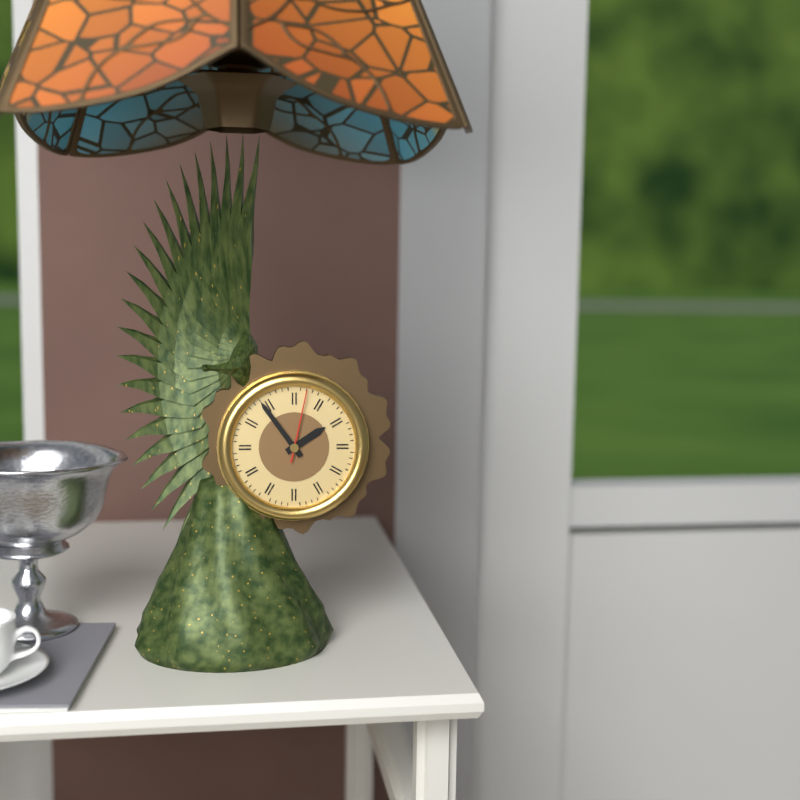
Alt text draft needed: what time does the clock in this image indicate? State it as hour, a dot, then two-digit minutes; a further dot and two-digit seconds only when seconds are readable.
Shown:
1.54.02
